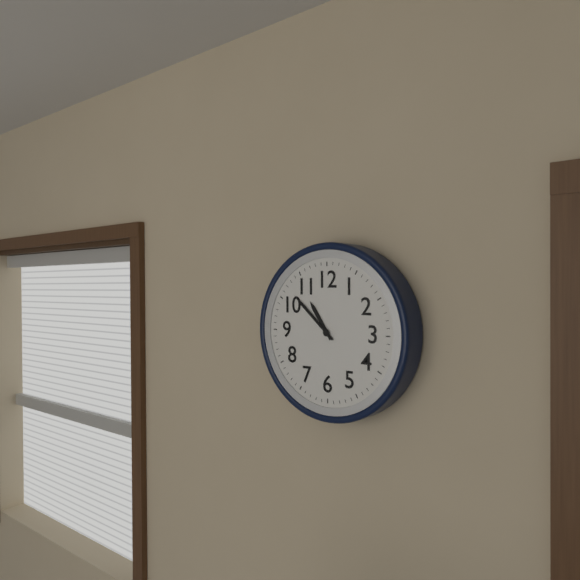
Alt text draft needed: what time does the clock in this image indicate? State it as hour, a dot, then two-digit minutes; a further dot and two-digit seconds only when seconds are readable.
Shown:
10.52
